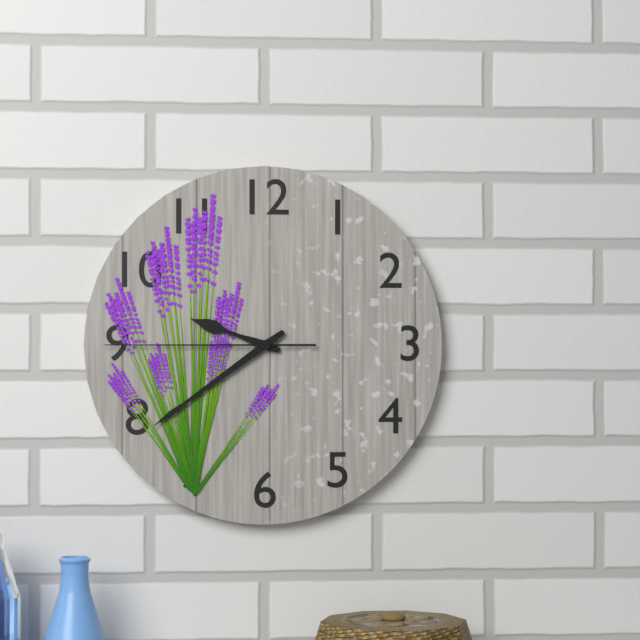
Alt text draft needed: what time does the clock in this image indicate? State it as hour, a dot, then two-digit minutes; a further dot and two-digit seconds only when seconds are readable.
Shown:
9.39.45
